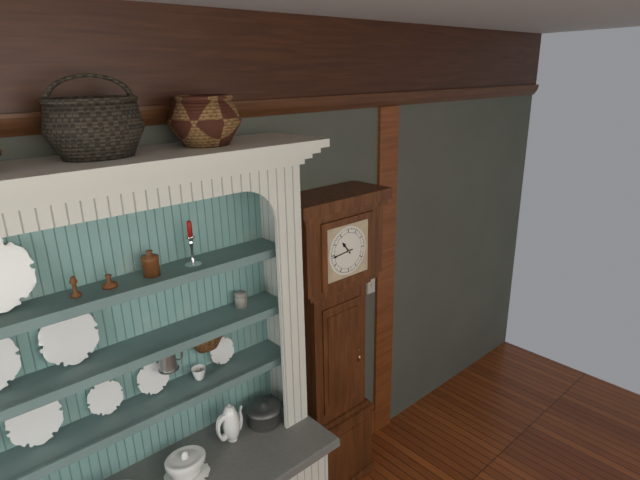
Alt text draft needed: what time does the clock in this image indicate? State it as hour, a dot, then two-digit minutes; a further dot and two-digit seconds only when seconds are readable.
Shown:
10.44
